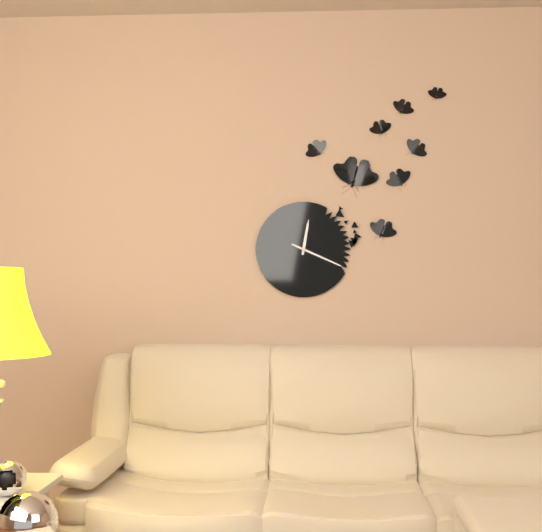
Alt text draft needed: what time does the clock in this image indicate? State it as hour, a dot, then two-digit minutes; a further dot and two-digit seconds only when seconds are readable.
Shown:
12.19
